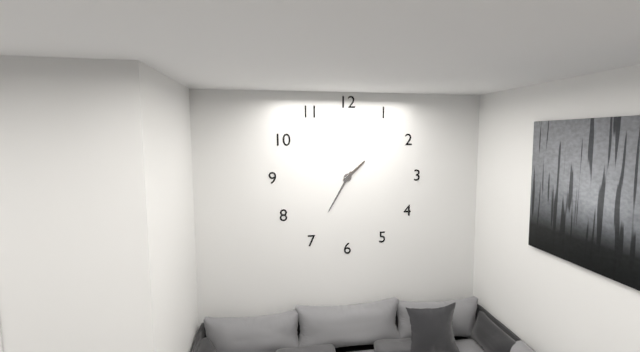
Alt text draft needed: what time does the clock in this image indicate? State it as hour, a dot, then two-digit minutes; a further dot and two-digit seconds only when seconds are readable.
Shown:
1.35
